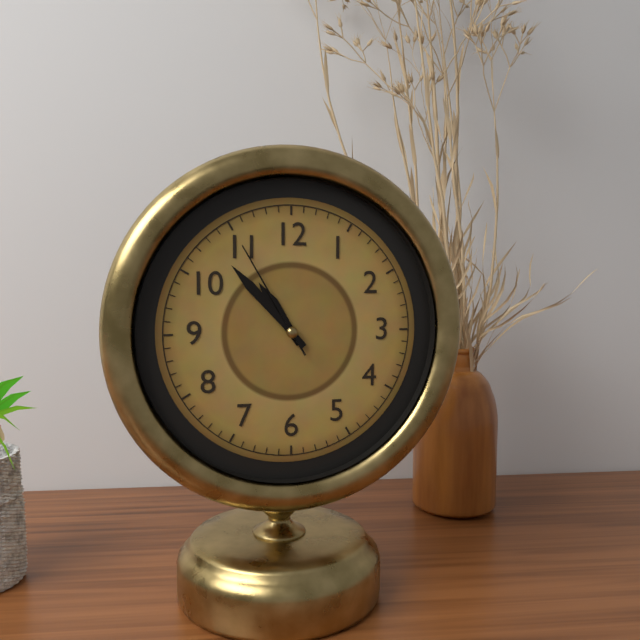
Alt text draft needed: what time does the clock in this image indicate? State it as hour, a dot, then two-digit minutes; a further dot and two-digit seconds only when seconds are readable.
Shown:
10.53.55
